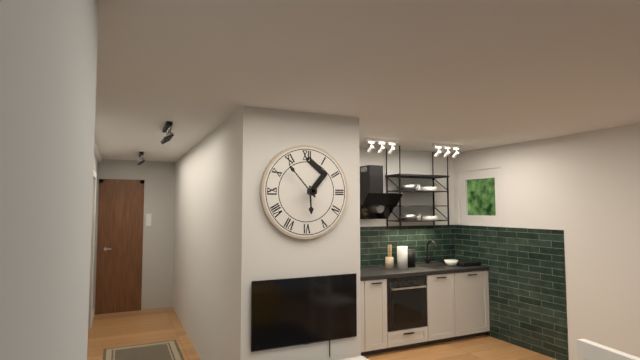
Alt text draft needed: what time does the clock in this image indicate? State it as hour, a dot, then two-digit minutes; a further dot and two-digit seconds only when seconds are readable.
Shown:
5.53
